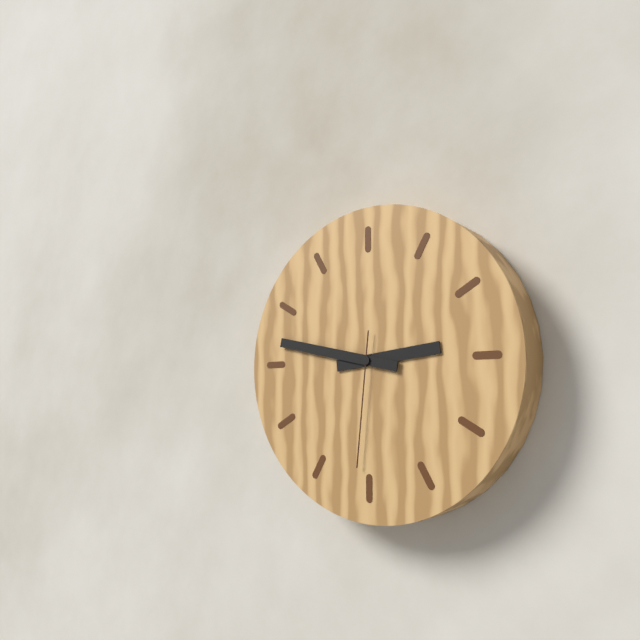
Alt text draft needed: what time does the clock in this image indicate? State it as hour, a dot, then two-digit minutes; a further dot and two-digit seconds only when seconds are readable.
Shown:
2.47.31
